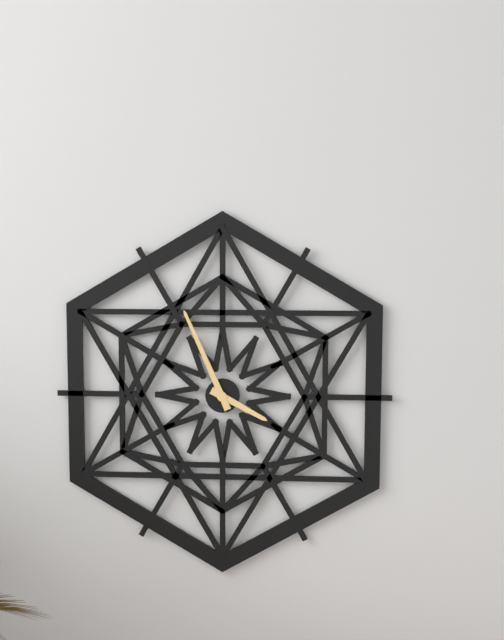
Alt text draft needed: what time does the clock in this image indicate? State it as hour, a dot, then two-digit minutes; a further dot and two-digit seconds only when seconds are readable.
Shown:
3.56
